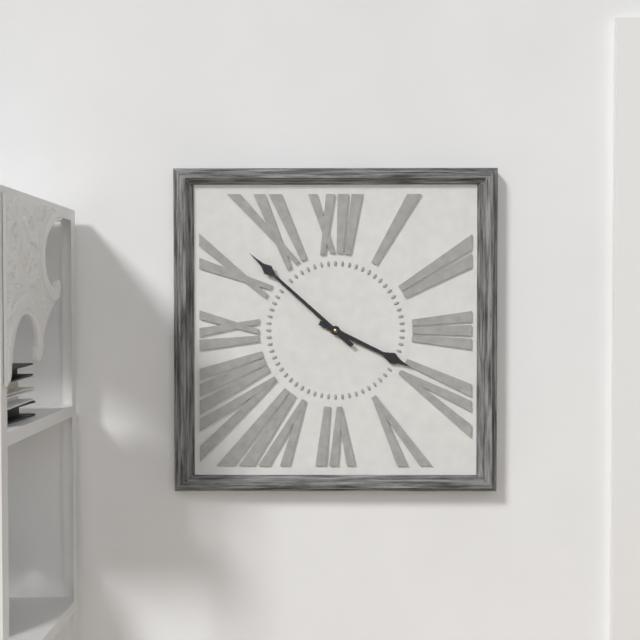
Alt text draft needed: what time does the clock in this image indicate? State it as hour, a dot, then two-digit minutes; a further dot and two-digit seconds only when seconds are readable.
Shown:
3.52
